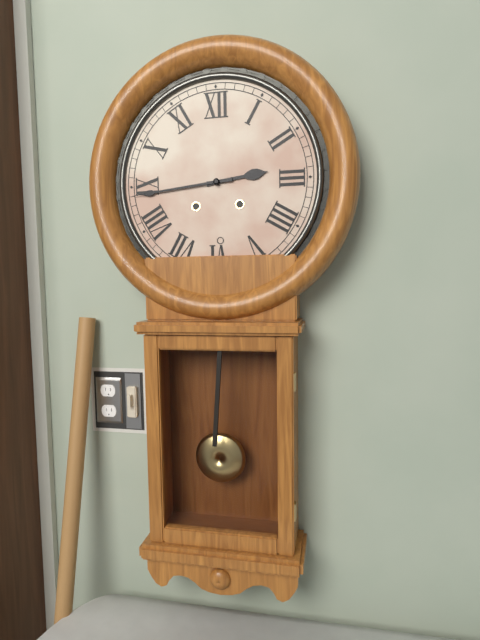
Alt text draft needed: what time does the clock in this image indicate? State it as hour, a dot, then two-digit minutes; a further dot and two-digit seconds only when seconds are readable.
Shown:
2.44
